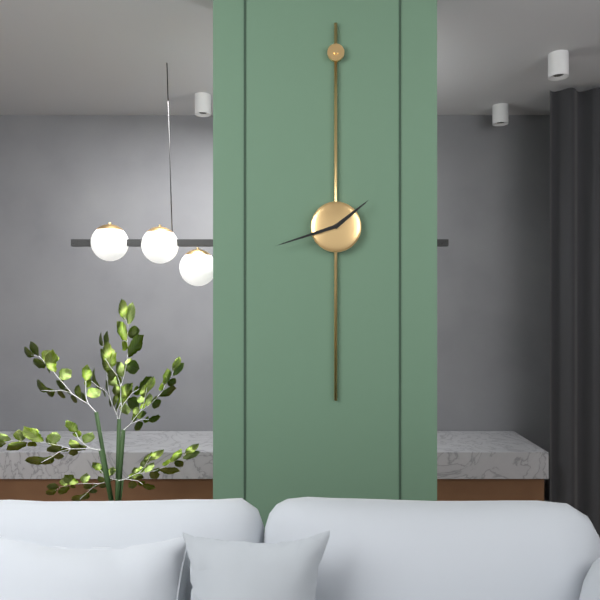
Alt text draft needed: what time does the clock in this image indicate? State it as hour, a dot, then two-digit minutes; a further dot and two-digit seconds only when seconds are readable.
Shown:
1.42
